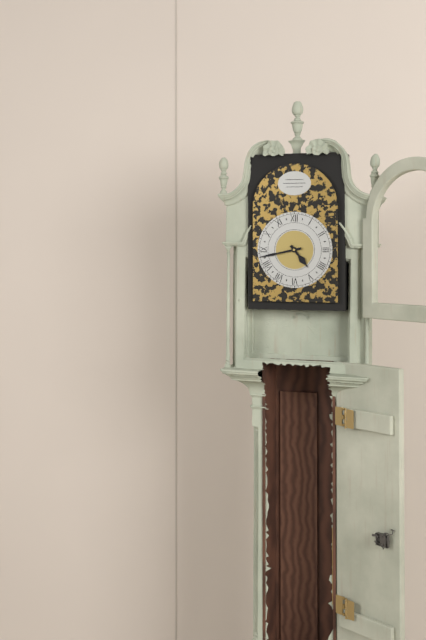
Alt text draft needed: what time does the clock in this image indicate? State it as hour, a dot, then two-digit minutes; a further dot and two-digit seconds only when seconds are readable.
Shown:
4.43
